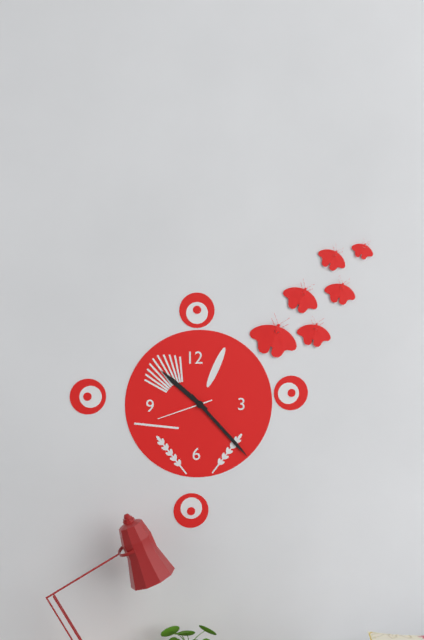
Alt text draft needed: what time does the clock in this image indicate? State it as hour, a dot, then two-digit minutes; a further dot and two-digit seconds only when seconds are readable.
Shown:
10.23.42
